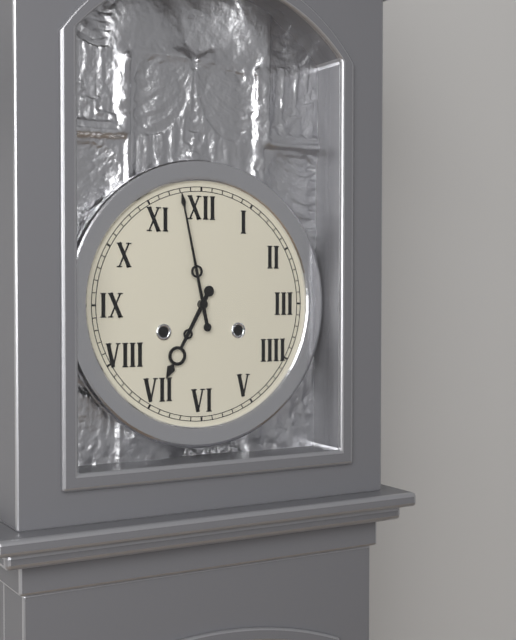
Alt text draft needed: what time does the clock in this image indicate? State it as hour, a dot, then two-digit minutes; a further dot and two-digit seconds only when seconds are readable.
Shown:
6.58
